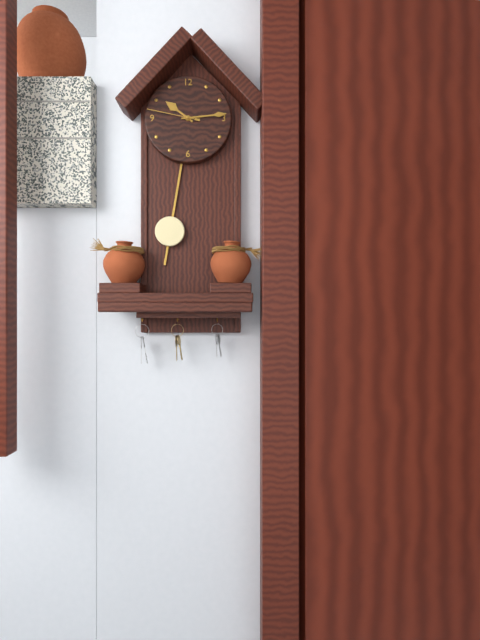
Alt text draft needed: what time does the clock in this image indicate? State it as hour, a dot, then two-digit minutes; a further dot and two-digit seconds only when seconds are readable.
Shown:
10.14.47
